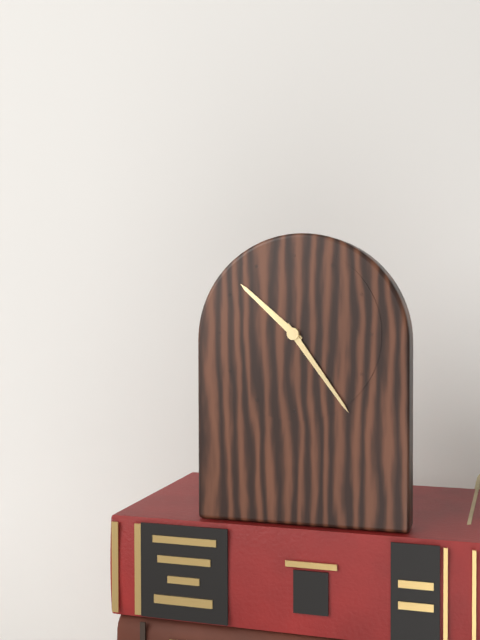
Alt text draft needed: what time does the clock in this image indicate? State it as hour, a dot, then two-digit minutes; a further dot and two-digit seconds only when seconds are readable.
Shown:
10.24
